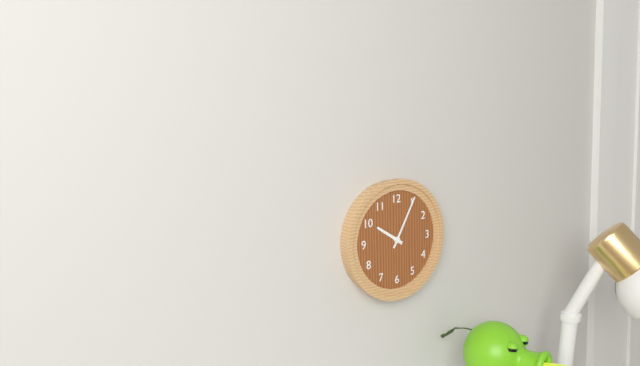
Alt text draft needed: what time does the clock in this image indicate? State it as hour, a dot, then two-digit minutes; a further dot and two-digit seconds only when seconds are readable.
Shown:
10.05
